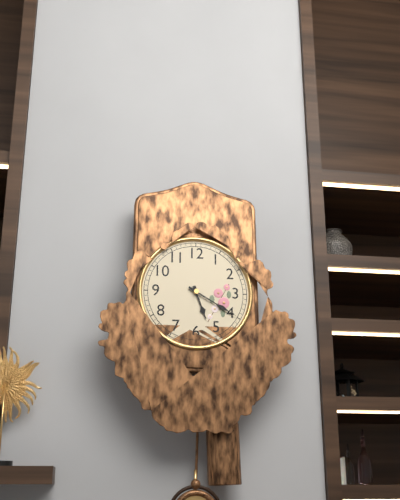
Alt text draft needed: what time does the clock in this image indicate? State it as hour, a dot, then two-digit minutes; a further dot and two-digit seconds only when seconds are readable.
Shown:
5.20
